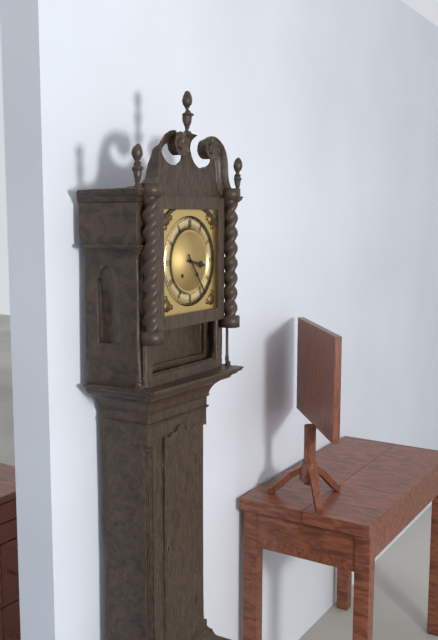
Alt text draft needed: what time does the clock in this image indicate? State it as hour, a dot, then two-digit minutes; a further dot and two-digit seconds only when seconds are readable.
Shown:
3.24
